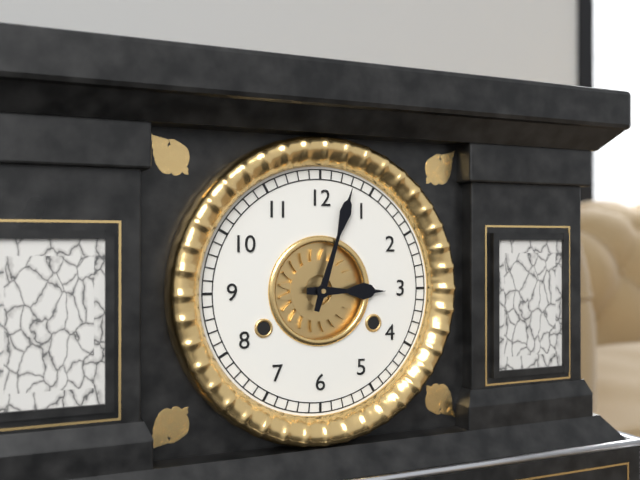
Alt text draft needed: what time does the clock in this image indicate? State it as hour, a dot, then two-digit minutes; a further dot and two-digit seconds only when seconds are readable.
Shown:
3.03
